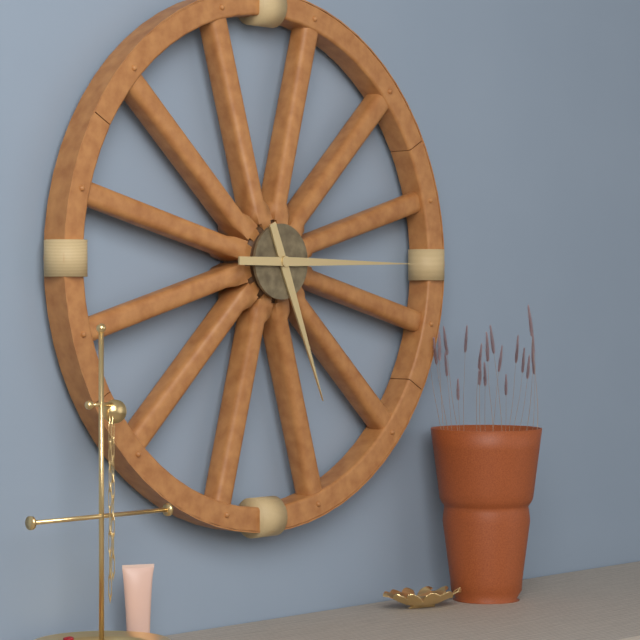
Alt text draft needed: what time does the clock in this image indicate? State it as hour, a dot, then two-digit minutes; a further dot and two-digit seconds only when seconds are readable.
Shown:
5.15
